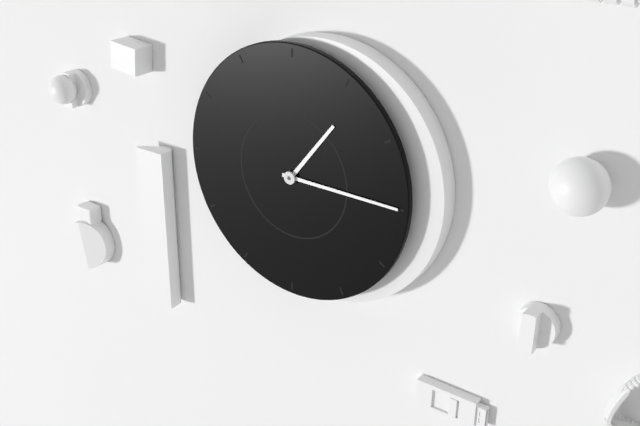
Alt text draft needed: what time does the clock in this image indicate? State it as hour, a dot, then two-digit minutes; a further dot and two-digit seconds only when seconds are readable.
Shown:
1.15
